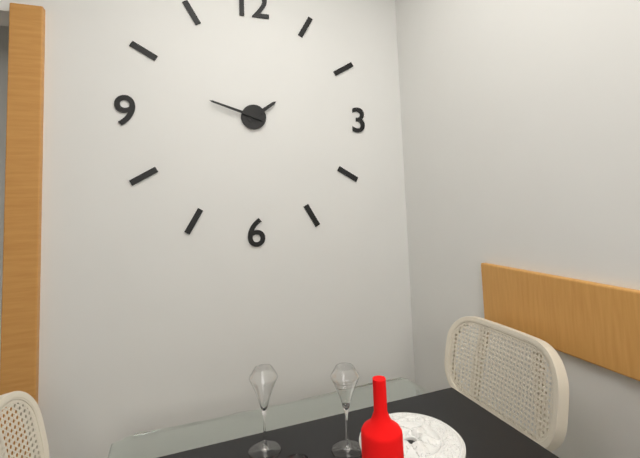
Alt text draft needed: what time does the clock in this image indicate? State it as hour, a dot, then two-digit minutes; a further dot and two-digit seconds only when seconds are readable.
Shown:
1.48
